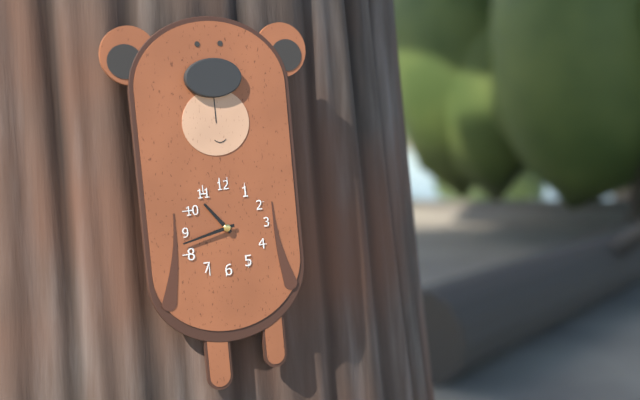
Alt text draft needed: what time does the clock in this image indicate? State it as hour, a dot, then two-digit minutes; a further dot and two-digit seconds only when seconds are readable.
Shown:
10.43
